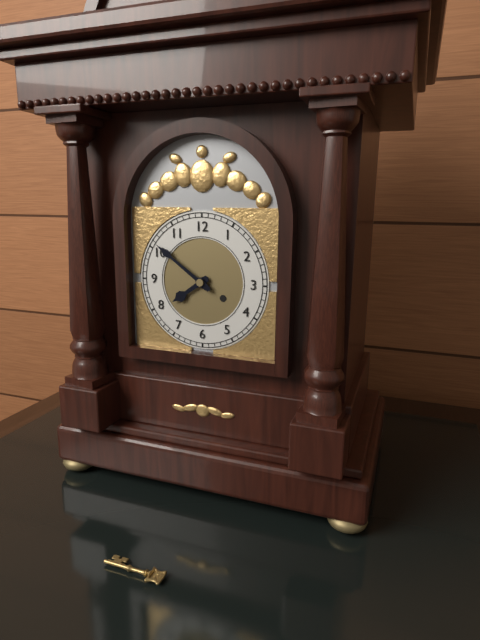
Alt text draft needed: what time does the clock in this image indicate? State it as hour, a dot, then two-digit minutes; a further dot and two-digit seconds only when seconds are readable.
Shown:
7.51
